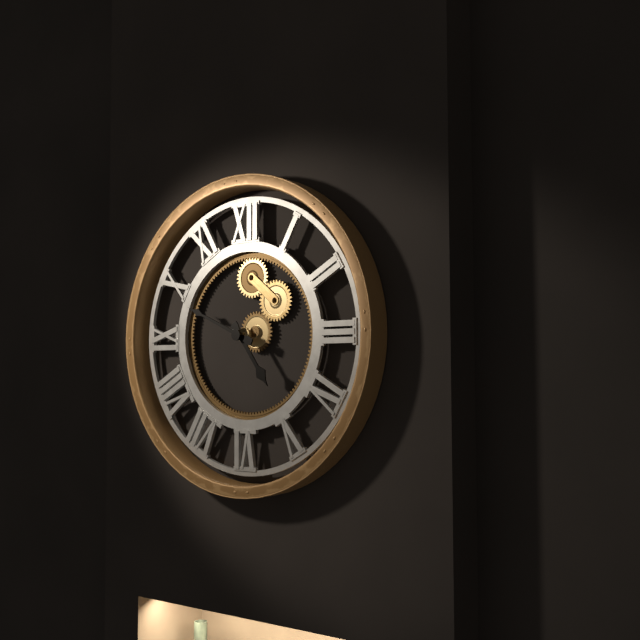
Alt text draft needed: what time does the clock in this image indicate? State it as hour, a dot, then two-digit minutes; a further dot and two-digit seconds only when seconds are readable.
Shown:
4.49
